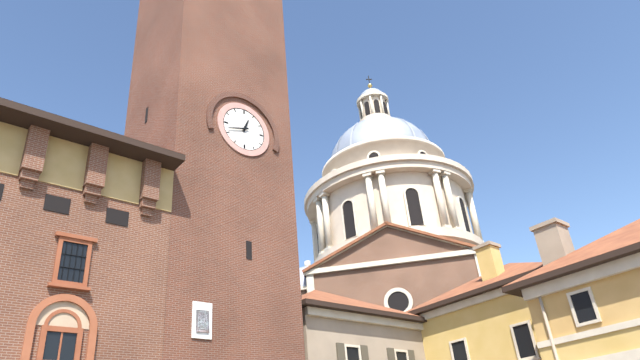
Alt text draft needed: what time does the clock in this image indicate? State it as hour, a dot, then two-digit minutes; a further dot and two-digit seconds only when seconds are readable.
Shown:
12.42
